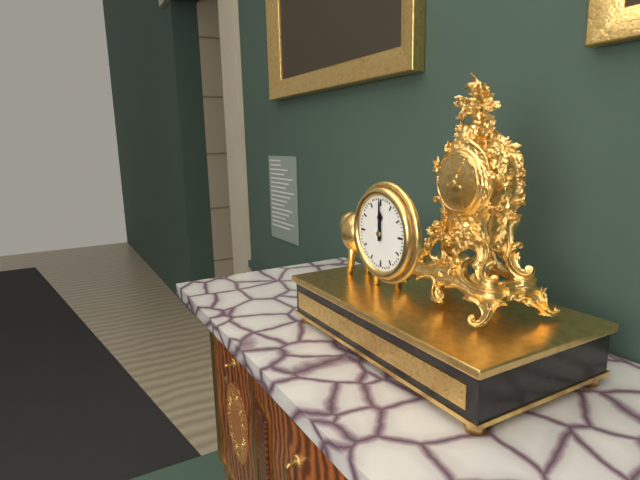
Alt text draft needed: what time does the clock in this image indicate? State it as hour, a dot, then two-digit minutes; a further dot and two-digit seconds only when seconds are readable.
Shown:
12.00
